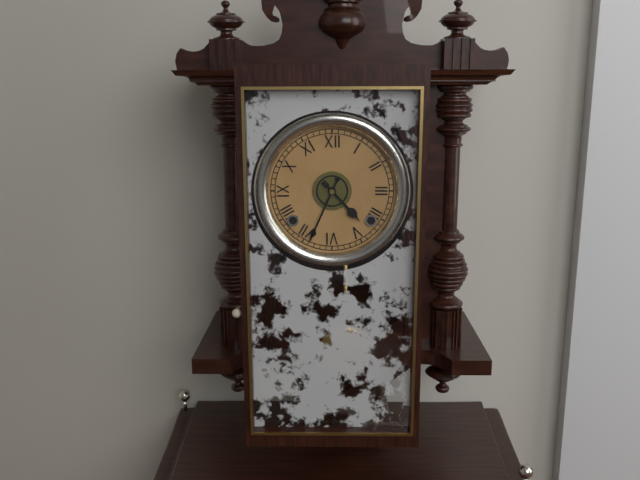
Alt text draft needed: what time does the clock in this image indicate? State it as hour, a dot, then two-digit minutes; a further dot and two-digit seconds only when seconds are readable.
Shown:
4.34
